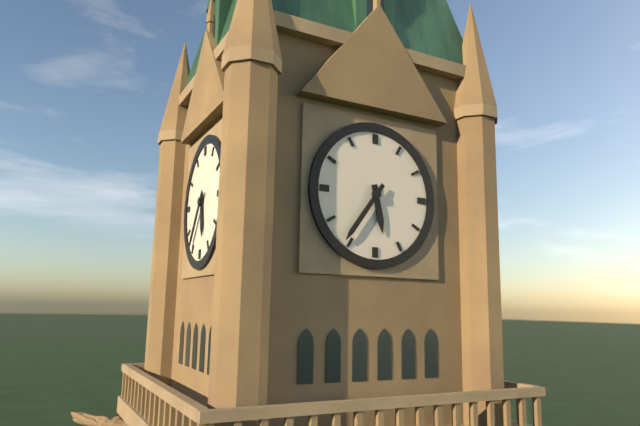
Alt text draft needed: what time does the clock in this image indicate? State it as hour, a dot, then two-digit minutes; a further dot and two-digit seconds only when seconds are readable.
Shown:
5.36
